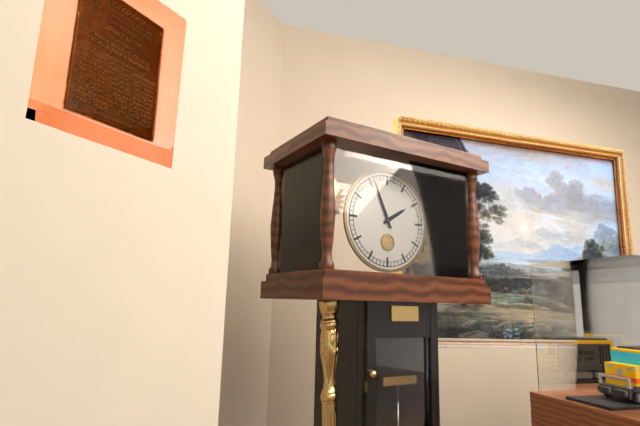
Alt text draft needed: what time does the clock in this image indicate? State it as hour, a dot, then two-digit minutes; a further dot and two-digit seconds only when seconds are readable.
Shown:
1.56
